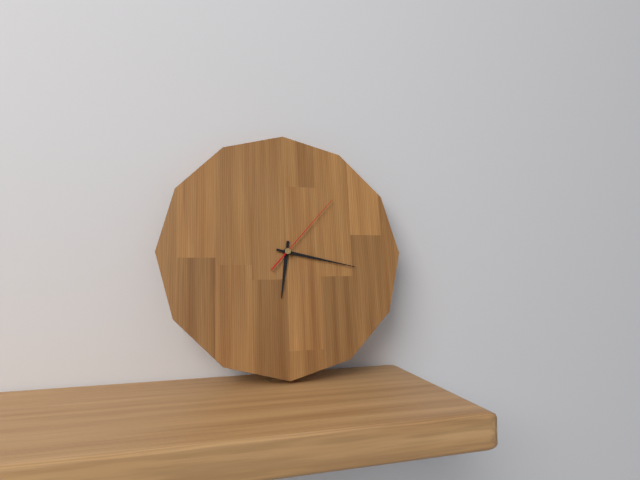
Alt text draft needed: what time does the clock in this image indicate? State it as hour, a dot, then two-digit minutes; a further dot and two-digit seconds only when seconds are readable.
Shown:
6.17.07
